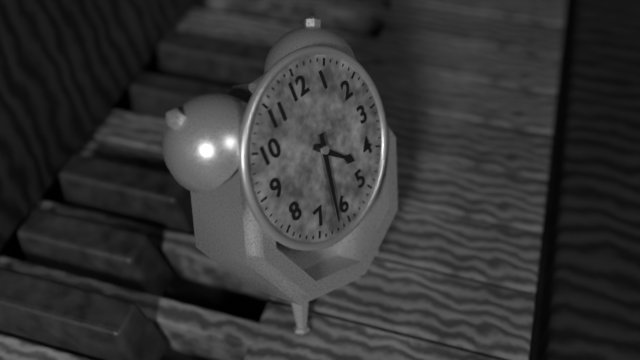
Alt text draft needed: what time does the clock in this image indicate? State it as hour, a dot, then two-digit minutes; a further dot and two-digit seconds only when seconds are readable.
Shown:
4.32
